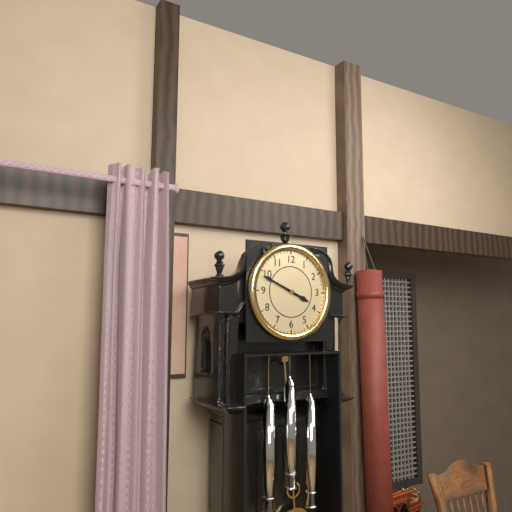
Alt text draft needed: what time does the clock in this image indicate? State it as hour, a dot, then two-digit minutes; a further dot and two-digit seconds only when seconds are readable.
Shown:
3.49
